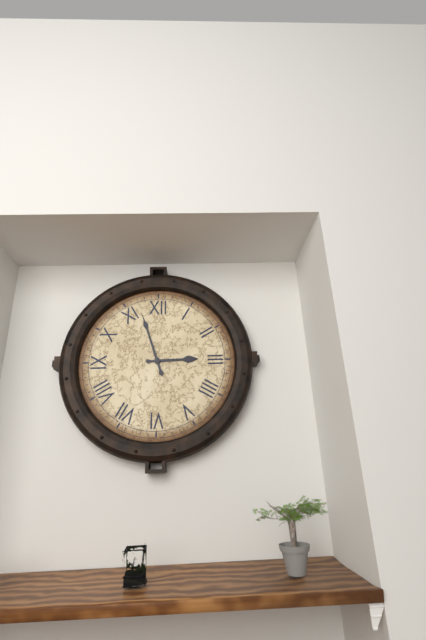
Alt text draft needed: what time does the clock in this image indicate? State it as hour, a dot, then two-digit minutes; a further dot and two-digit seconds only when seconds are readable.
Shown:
2.57
